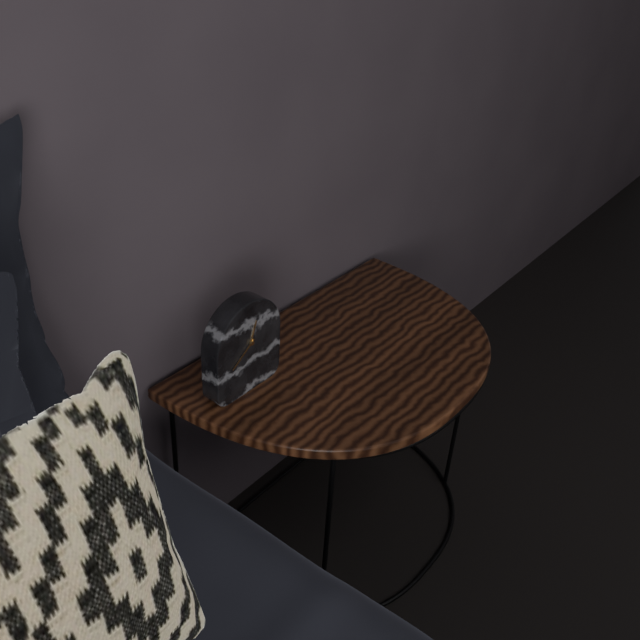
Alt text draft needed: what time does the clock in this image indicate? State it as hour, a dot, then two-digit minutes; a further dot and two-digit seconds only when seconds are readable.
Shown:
12.39
